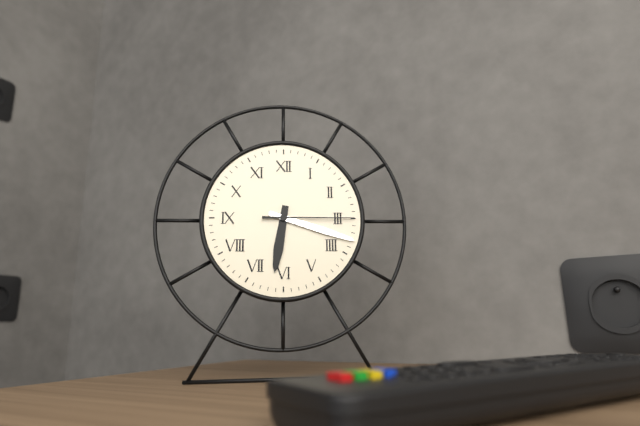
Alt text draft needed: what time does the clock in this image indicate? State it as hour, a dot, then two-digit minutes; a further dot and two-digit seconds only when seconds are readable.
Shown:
6.18.15
